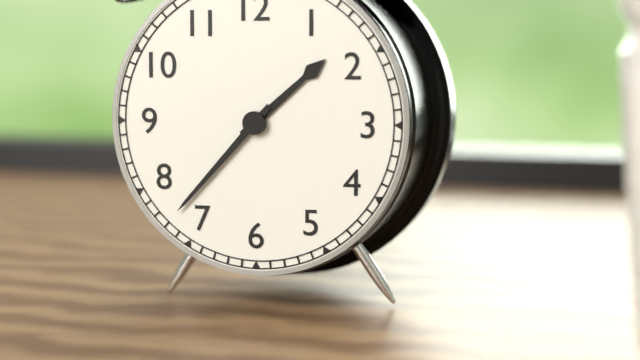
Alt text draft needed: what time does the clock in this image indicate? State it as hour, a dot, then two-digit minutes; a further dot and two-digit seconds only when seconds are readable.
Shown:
1.37
